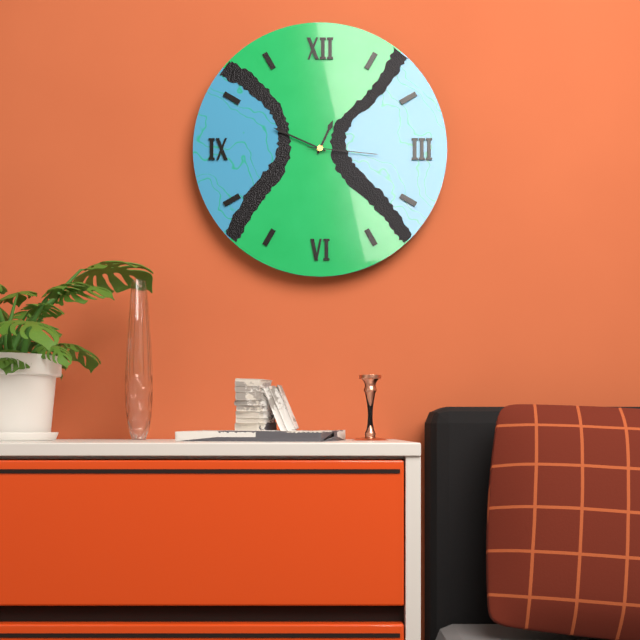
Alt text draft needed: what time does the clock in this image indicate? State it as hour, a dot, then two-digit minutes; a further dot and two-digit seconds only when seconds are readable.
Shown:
12.49.16
